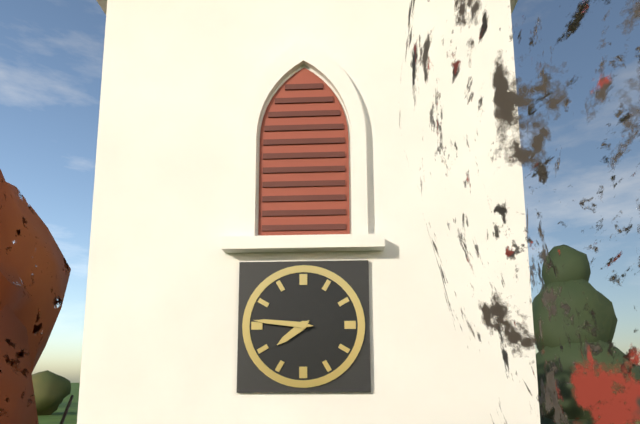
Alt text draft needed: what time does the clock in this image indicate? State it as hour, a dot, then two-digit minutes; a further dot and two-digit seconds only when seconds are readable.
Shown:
7.46
